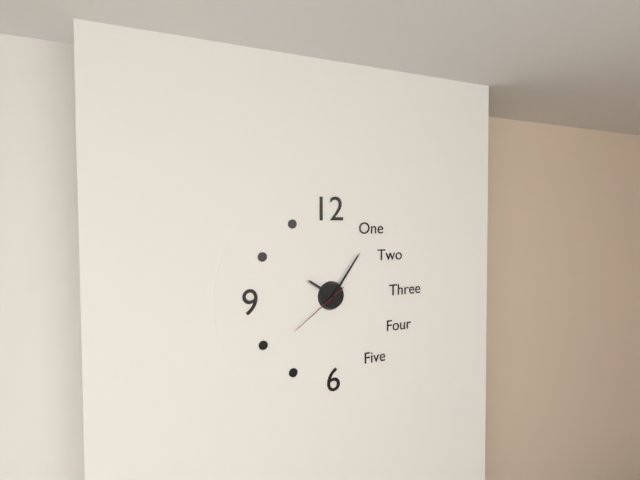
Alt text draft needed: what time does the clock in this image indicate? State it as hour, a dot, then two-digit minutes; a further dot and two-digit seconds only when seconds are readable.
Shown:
10.06.39
